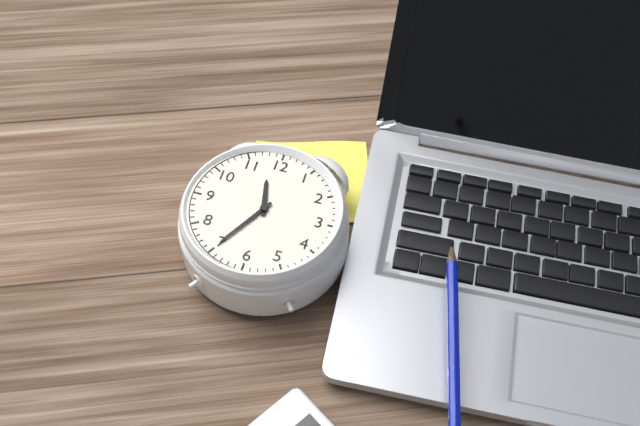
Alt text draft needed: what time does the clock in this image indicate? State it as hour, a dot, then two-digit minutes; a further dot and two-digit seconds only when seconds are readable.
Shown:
11.35
